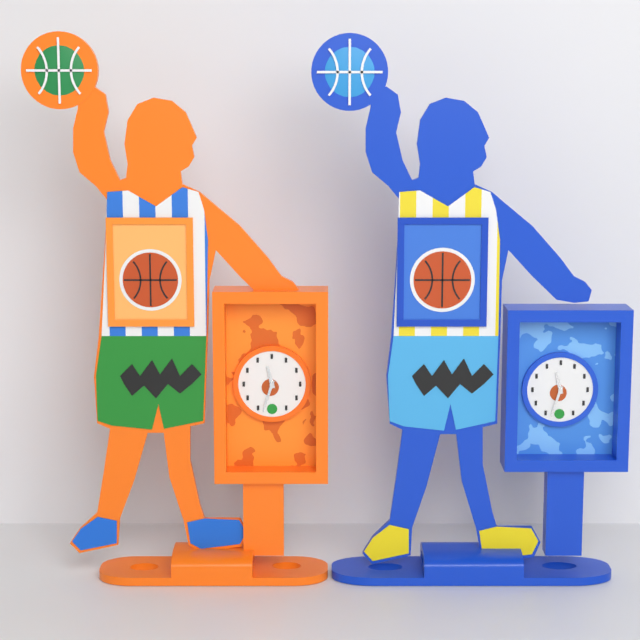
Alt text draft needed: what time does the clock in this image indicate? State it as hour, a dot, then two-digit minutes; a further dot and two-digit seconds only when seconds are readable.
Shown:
11.33
